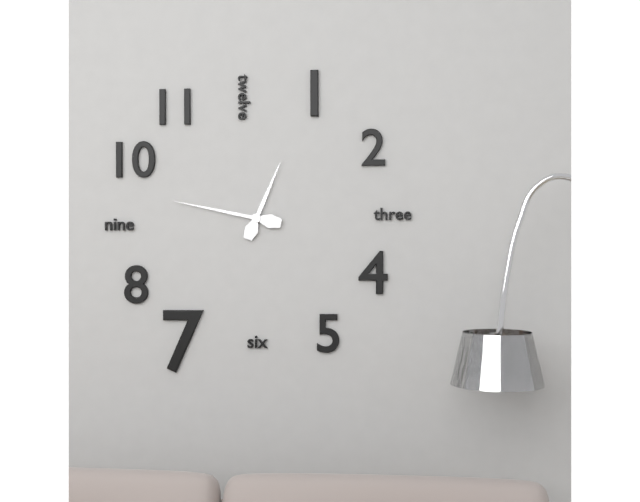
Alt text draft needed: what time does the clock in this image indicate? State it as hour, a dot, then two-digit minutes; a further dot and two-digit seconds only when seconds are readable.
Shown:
12.47
